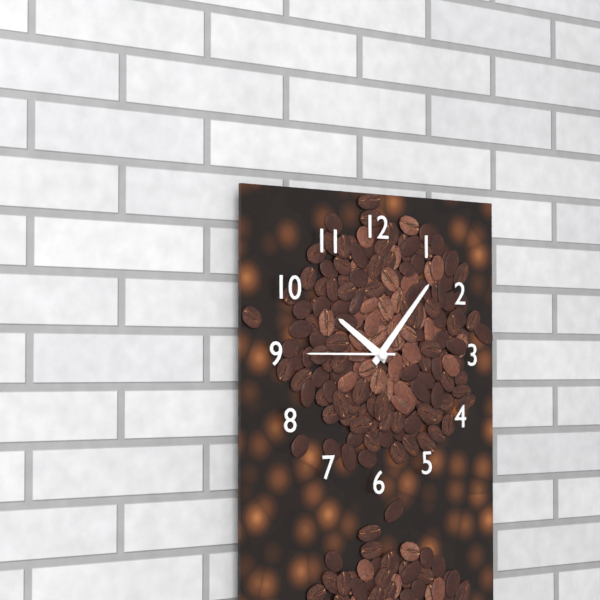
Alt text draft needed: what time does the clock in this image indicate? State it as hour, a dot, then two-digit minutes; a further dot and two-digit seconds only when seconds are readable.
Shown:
10.07.45
